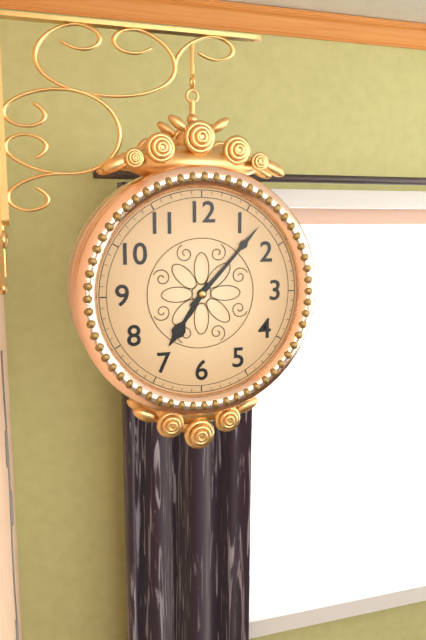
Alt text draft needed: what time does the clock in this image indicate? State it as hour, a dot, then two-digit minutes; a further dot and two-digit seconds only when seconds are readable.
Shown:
7.07
